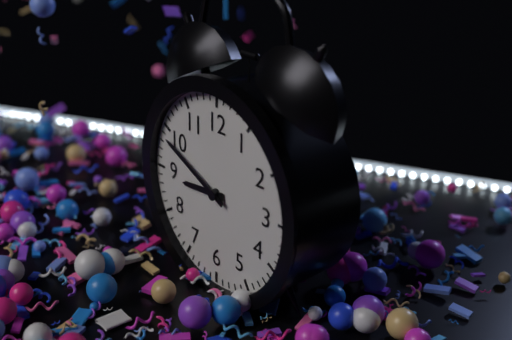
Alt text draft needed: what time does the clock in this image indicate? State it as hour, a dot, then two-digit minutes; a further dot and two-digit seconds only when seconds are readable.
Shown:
8.49
